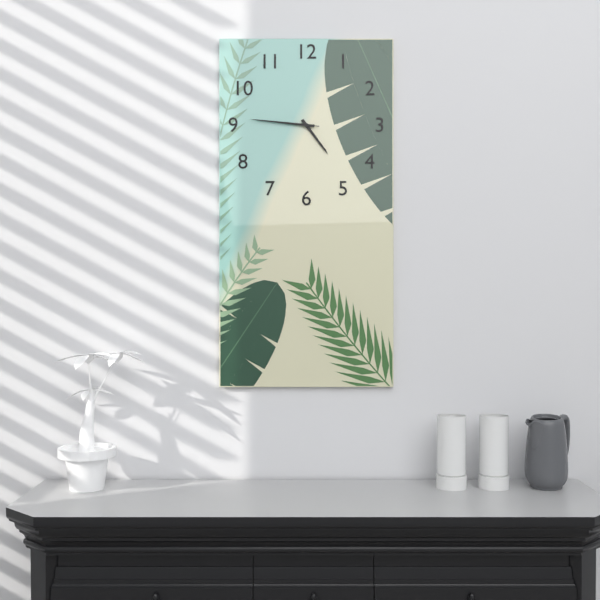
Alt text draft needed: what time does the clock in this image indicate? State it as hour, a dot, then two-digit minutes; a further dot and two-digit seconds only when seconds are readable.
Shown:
4.46.46
